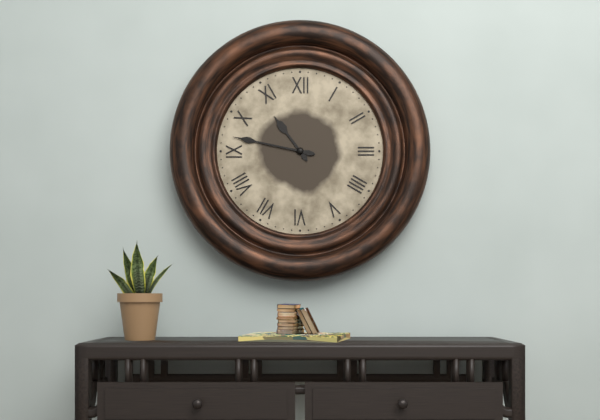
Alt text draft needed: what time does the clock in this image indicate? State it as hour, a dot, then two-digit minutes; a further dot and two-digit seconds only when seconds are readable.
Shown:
10.47
